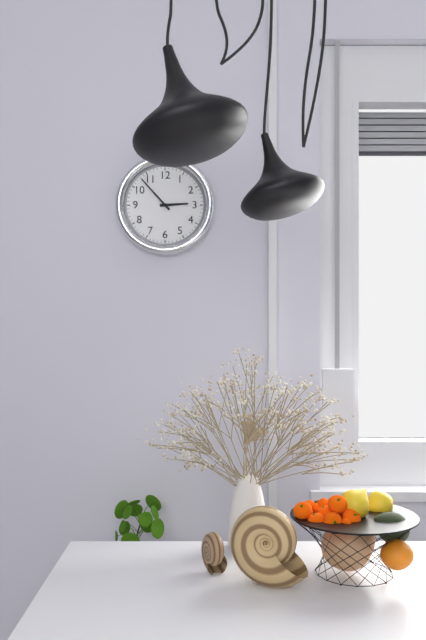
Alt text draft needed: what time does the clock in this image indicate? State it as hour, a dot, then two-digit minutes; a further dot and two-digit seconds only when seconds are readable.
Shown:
2.53
